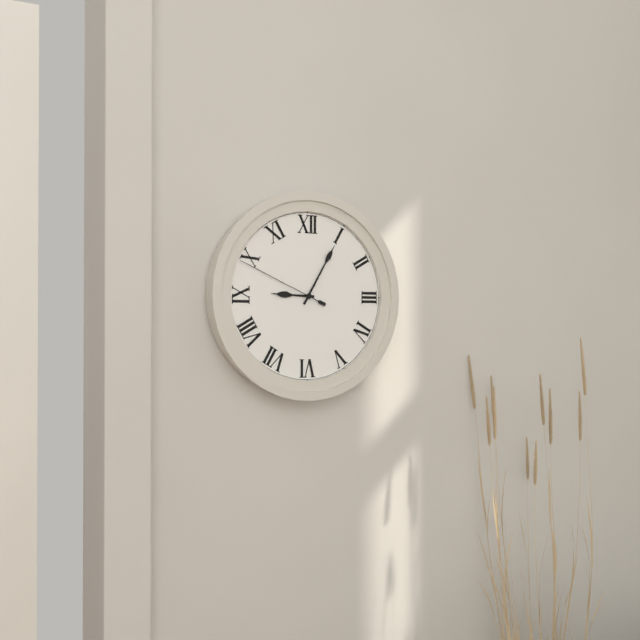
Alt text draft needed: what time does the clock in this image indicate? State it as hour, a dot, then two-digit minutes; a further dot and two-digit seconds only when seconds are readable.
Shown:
9.05.49
